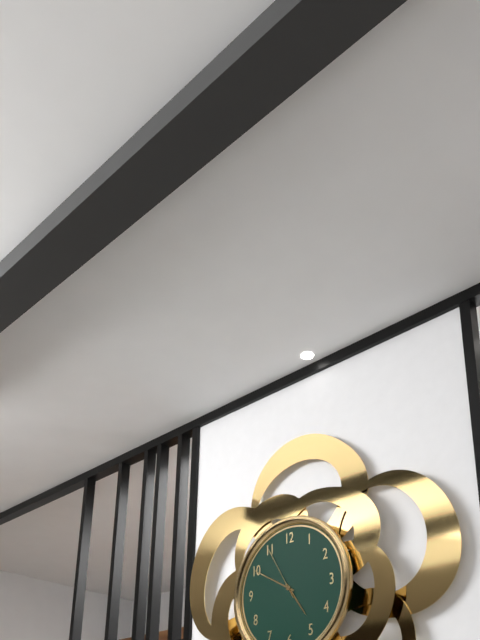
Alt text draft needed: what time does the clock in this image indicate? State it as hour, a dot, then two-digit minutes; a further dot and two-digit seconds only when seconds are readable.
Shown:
4.50.55
